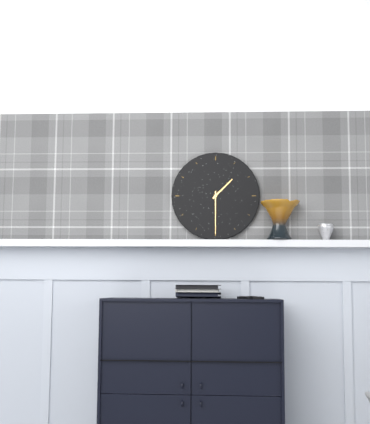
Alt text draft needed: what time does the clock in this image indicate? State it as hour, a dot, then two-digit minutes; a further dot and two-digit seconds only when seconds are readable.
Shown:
1.30
